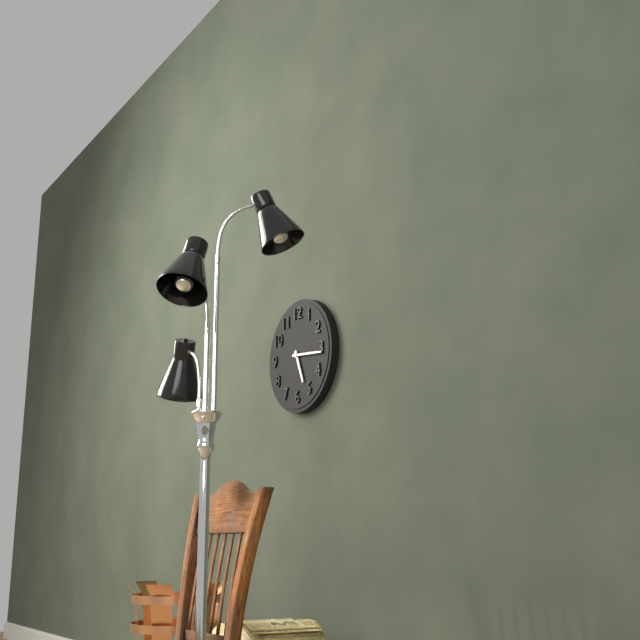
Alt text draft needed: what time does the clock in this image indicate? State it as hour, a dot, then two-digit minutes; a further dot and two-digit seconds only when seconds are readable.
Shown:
5.16
